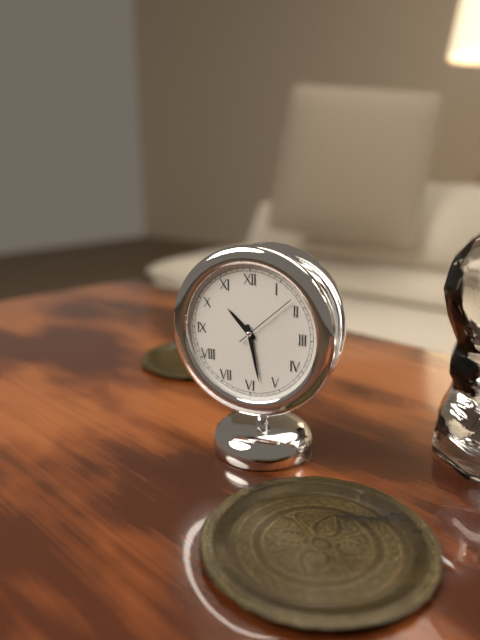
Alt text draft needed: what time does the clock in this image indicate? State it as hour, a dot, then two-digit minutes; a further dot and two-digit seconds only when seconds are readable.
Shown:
10.28.08
